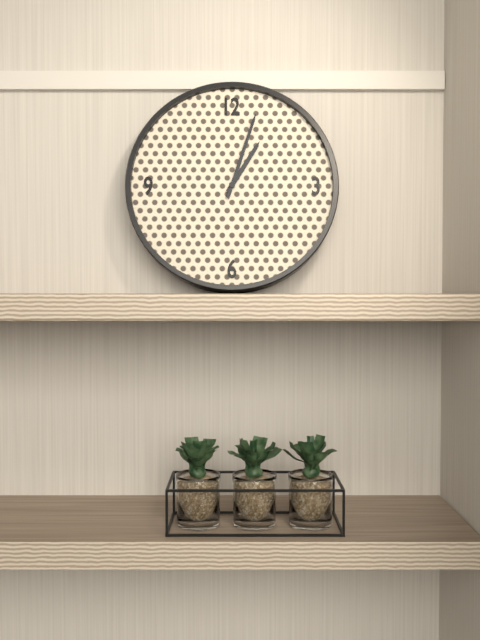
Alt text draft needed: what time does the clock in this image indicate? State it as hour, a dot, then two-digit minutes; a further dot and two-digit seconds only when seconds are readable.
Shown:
1.03
